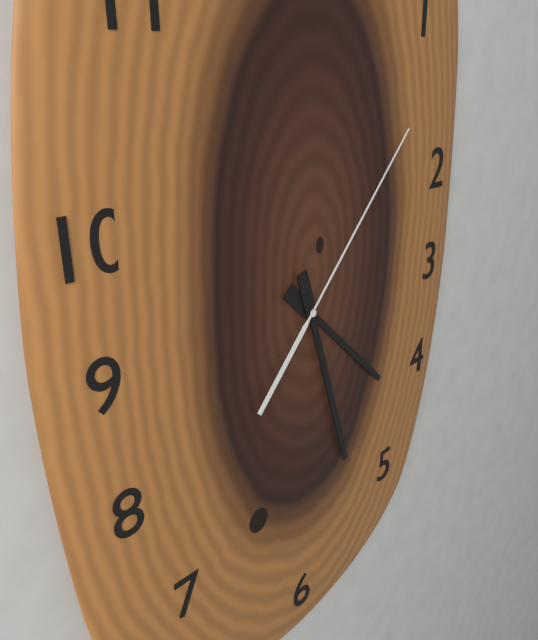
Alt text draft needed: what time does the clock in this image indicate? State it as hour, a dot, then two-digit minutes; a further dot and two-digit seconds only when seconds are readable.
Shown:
4.27.07
